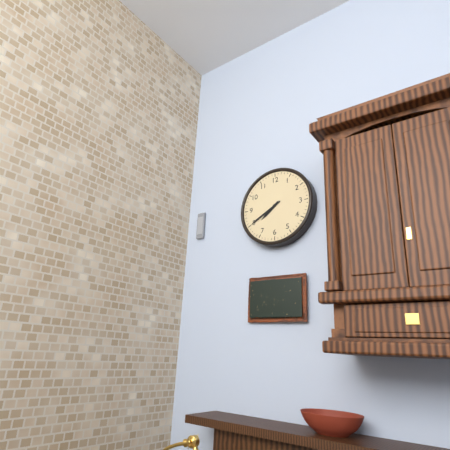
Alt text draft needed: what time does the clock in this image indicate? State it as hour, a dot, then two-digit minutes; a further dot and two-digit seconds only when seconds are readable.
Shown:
7.40
